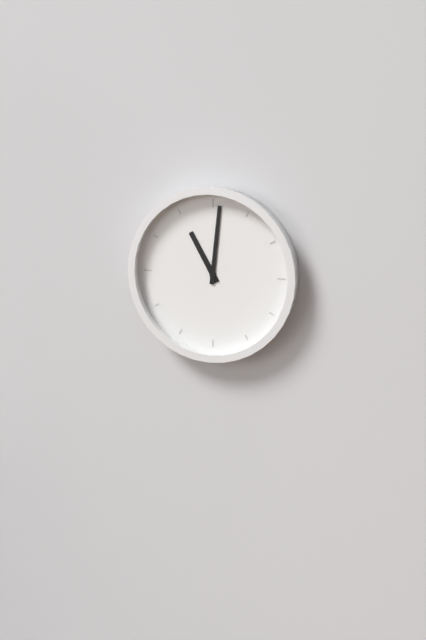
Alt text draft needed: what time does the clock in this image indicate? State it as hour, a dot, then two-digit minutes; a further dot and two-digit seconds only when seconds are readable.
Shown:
11.01
